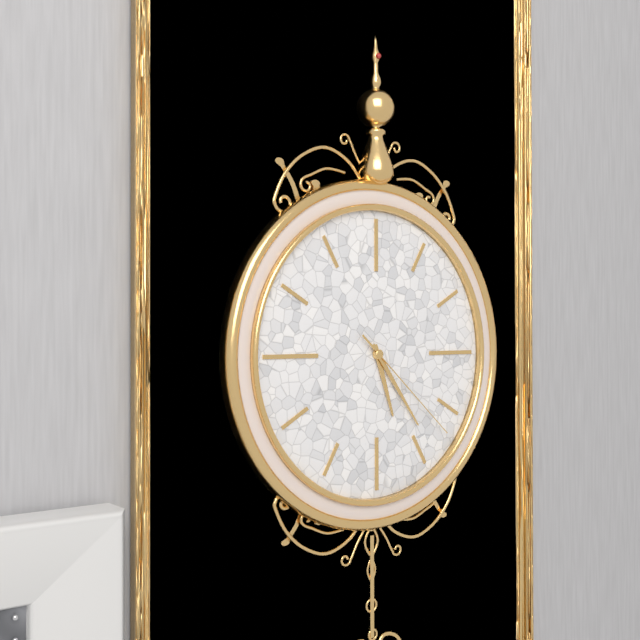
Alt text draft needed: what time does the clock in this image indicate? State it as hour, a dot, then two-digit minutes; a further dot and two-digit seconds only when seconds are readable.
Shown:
5.24.22
